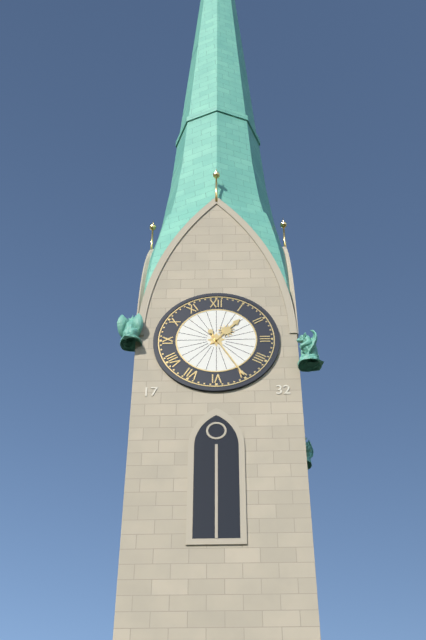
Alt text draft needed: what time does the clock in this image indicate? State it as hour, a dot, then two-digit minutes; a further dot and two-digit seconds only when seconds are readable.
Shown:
1.25
